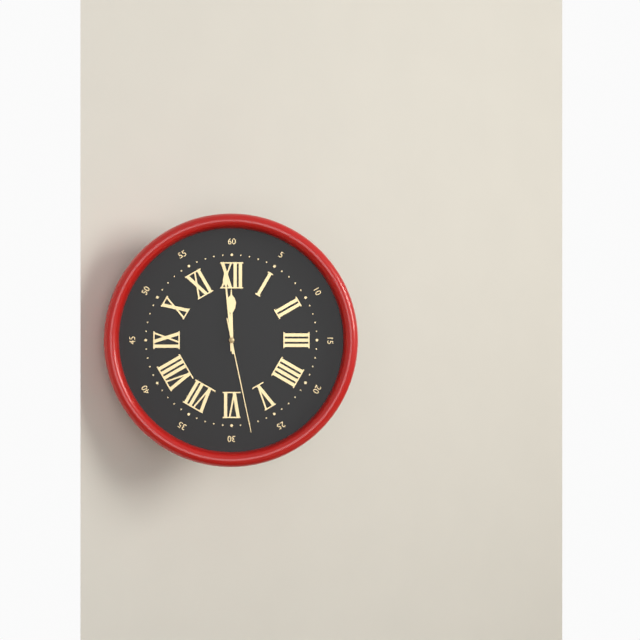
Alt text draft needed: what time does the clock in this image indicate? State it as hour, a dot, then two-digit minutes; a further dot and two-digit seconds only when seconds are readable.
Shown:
11.59.28
